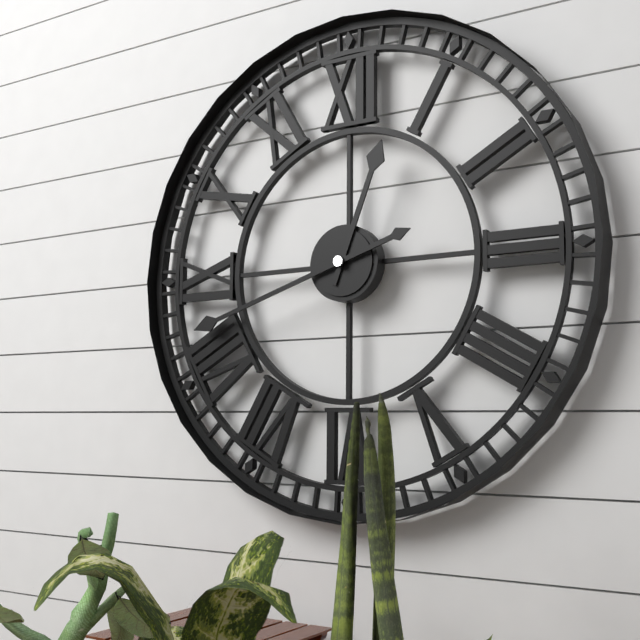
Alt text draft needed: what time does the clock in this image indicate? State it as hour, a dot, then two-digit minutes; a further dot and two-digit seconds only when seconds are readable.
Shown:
12.42
